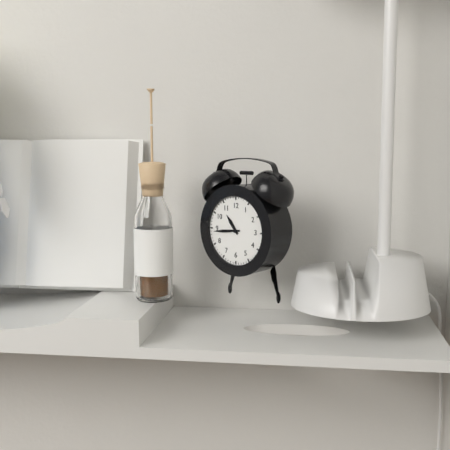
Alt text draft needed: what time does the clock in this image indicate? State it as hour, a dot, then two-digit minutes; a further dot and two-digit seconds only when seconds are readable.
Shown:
10.44
